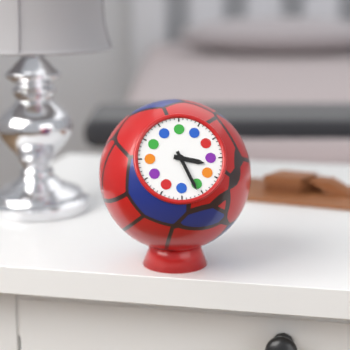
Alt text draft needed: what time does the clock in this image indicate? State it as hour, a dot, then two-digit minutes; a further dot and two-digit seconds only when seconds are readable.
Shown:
3.26
